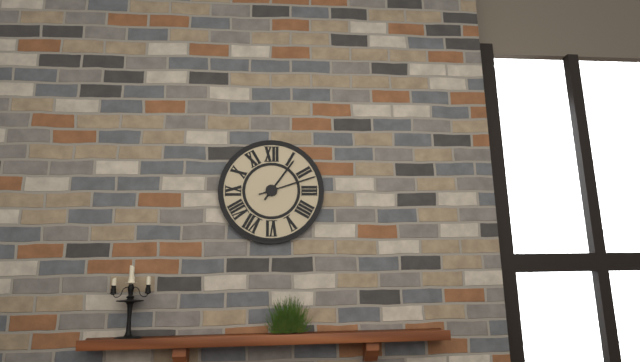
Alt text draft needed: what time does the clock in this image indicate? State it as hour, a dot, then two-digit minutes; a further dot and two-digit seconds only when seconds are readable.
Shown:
1.12
